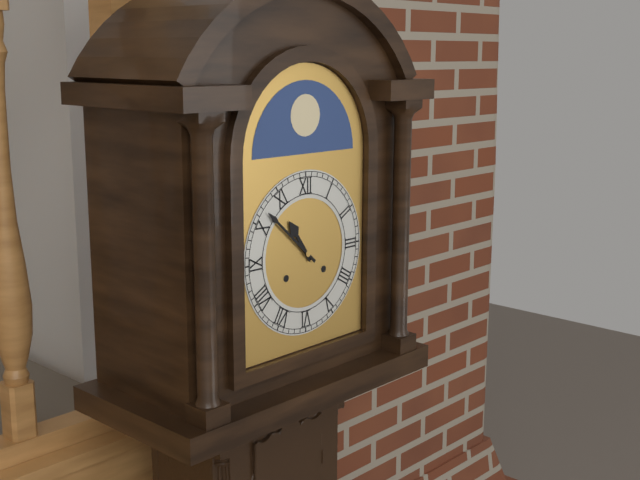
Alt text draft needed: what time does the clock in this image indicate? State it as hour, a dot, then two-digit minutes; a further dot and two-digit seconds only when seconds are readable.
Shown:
10.52
